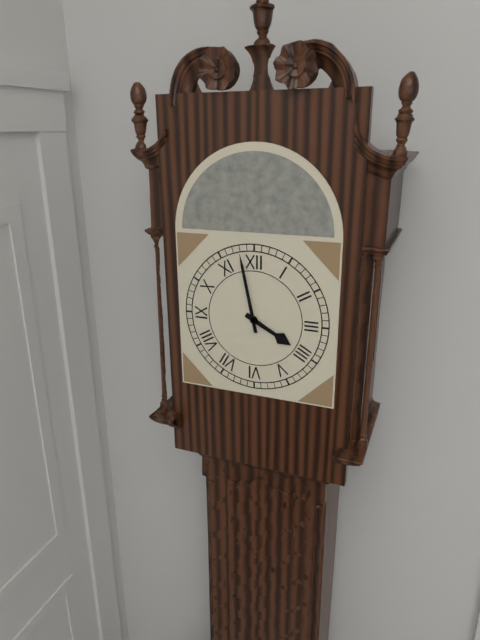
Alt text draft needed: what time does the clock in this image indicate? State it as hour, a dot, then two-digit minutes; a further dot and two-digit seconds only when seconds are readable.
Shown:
3.58
